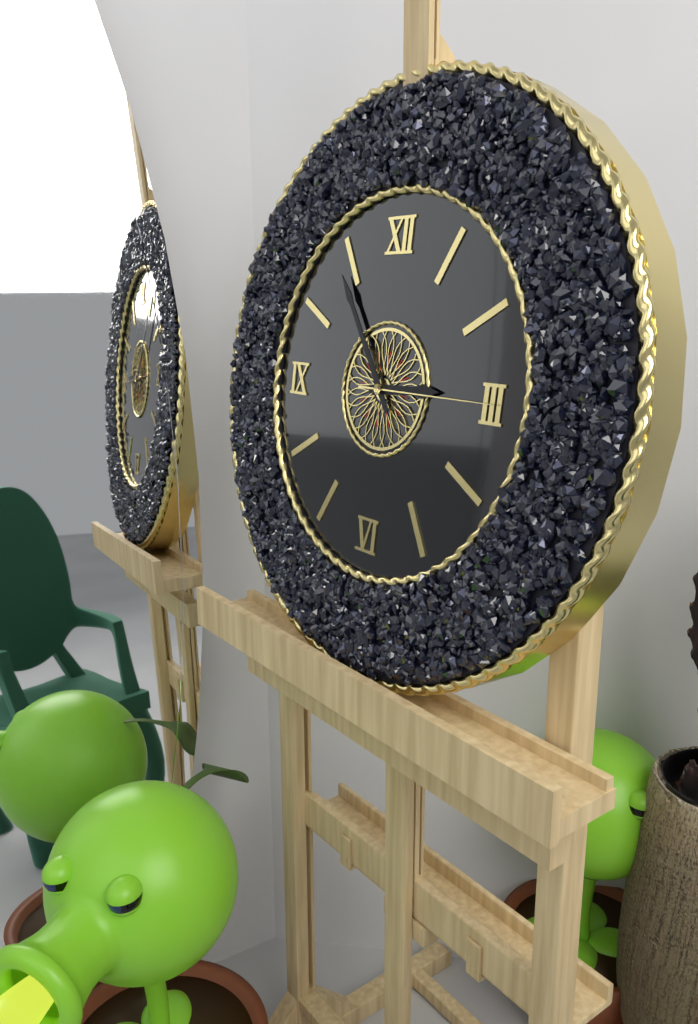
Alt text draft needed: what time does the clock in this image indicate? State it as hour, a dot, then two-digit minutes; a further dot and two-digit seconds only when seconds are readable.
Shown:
2.54.15
